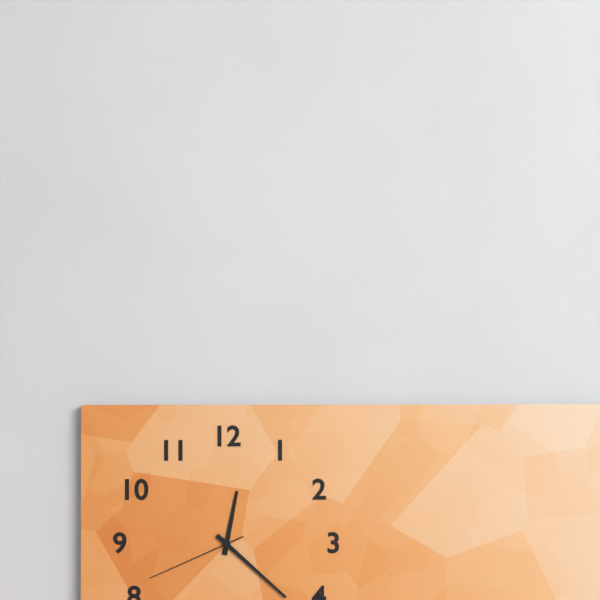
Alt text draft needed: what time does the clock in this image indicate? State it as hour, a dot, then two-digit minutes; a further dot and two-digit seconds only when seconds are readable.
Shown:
12.22.41
